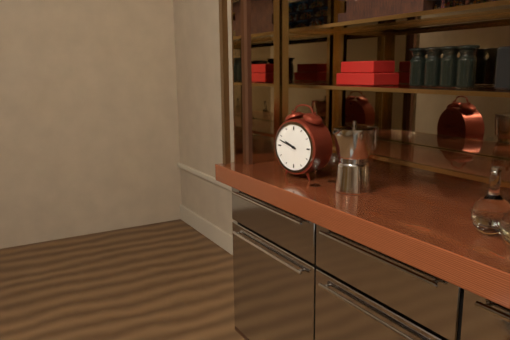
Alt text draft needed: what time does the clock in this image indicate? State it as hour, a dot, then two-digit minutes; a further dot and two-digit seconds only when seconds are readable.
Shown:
9.48
